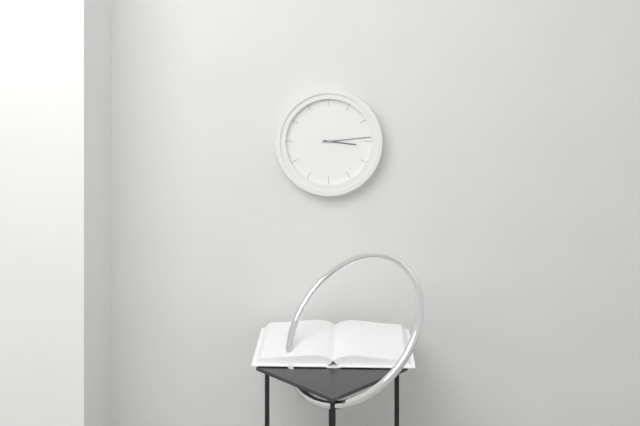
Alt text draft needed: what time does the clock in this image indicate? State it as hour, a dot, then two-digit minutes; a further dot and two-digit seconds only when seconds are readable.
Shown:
3.14
